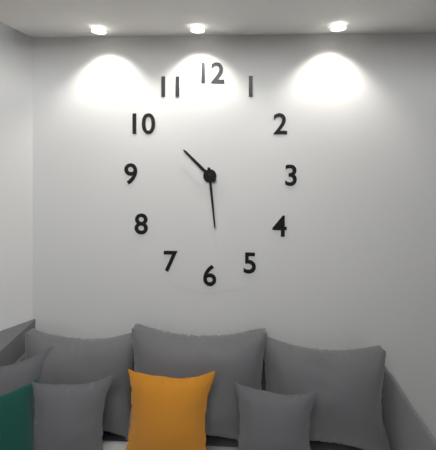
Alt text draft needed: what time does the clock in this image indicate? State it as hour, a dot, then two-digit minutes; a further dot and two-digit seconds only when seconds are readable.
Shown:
10.29
